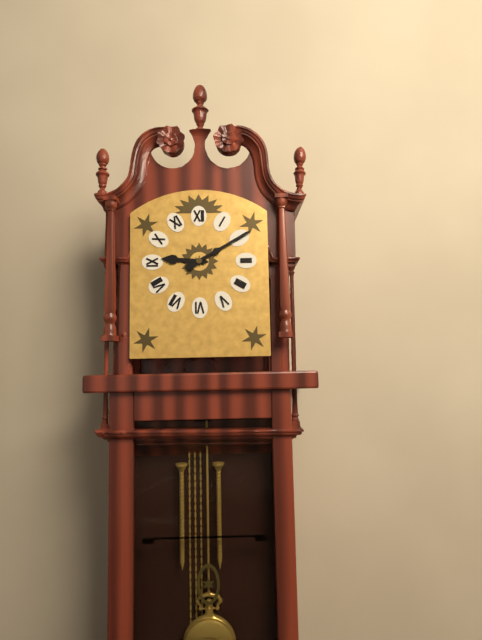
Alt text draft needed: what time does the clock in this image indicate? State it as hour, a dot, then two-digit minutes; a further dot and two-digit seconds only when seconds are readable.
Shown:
9.10
